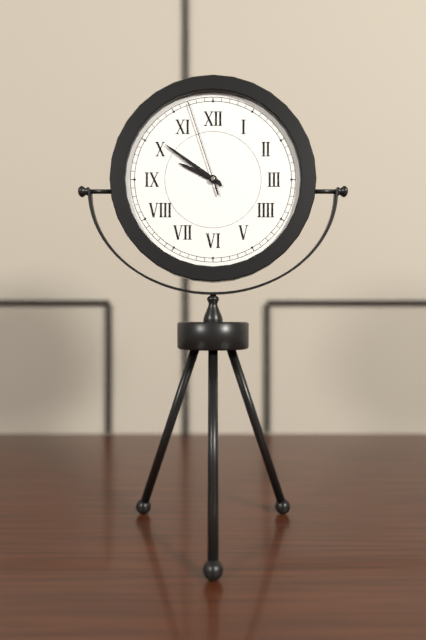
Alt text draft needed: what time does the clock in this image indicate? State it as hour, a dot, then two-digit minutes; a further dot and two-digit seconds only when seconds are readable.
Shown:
9.51.57
